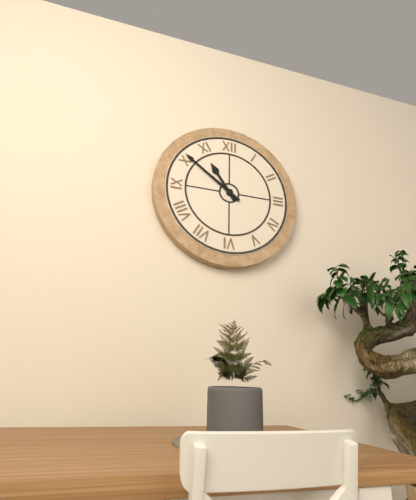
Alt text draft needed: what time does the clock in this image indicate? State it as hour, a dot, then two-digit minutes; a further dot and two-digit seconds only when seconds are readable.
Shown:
10.51
